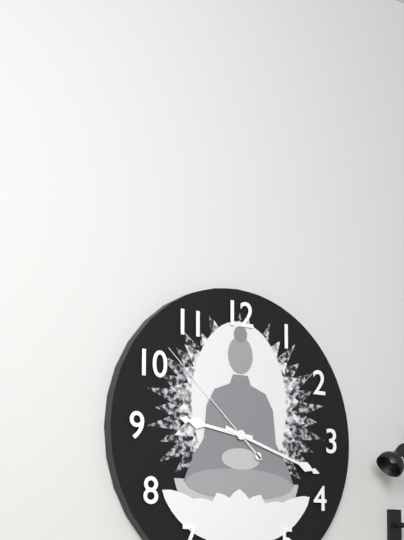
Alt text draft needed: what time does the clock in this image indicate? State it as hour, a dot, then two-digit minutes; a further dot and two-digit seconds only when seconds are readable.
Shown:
9.18.52
